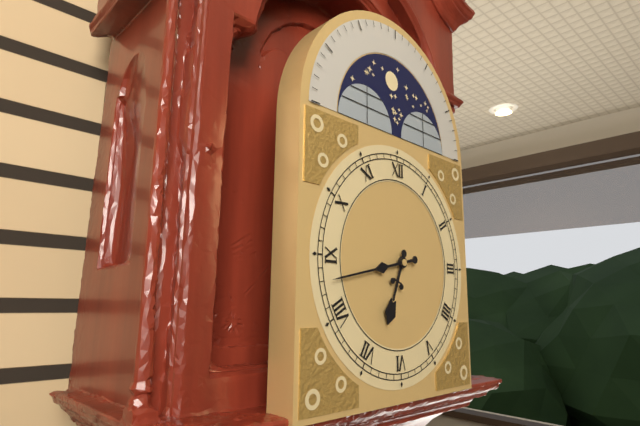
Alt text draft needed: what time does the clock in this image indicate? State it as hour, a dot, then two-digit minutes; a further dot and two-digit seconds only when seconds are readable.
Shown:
6.43
